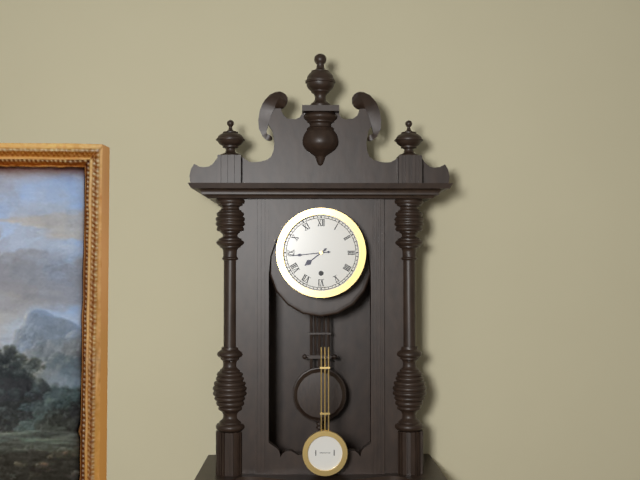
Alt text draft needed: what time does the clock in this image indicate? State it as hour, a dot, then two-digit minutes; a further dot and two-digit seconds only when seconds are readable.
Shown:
7.44
